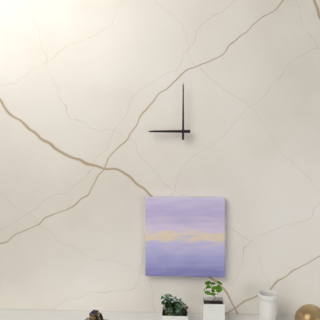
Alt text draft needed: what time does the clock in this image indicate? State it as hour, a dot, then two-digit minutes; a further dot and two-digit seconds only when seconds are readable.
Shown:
9.00
